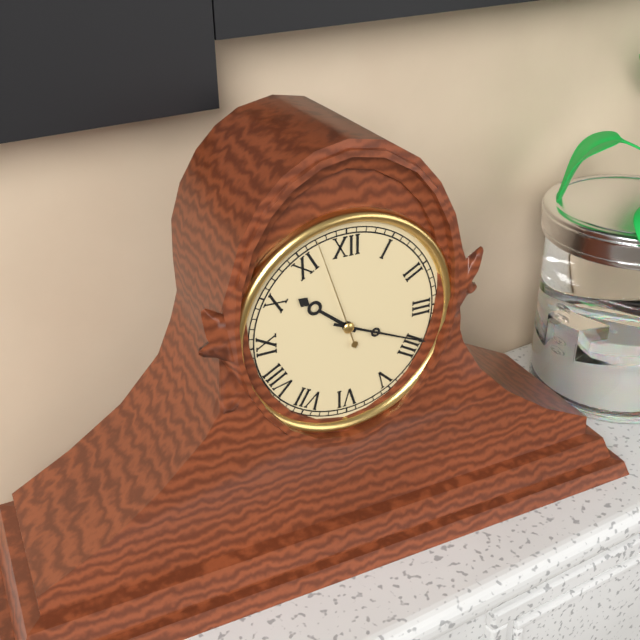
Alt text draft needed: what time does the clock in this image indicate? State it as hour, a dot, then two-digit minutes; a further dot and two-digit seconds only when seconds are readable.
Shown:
10.19.57
